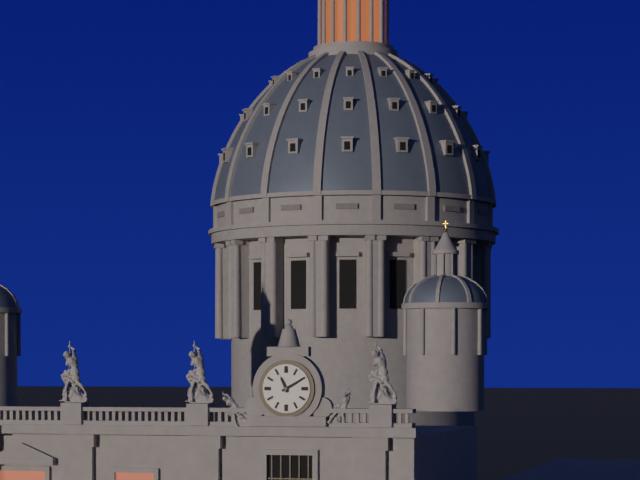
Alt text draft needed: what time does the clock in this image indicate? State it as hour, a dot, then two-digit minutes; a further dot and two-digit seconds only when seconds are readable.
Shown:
11.10
